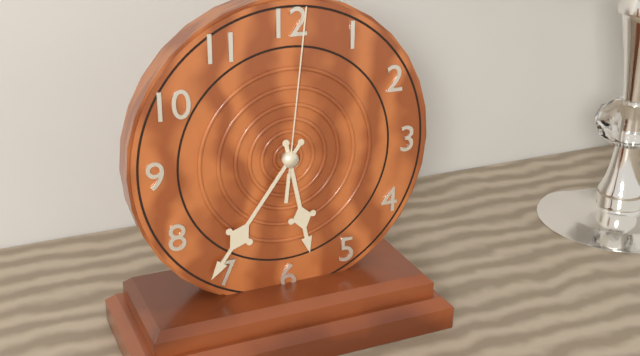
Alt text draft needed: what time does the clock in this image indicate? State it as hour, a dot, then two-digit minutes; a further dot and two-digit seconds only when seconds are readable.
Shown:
5.36.01
